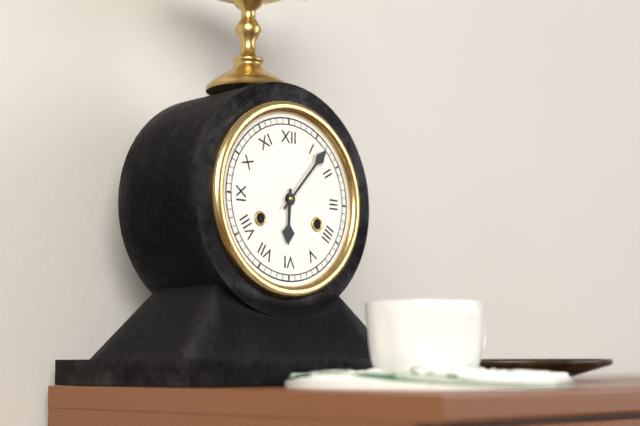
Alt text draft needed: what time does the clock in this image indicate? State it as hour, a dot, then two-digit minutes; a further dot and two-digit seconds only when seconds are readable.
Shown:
6.07
